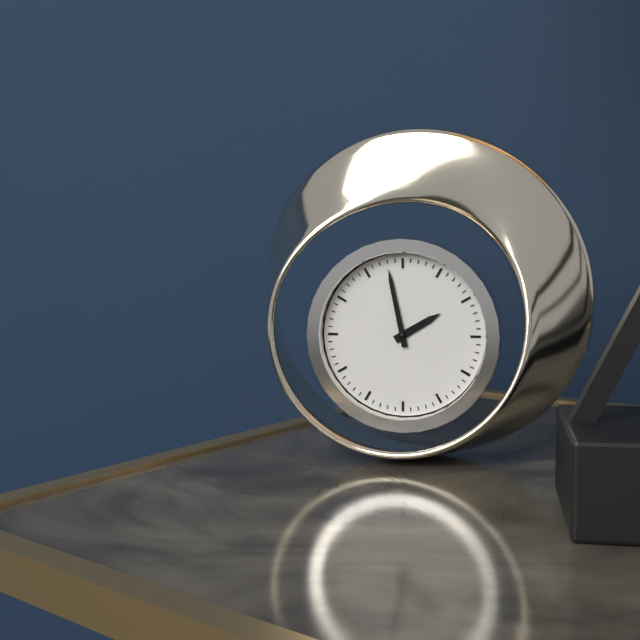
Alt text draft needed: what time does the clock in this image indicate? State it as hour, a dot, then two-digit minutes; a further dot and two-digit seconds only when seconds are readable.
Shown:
1.58
